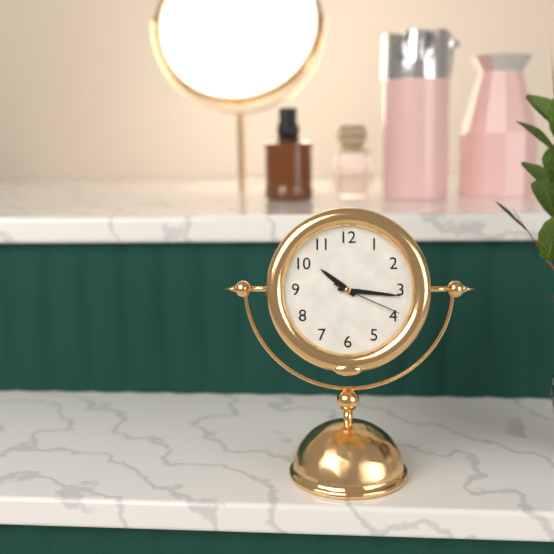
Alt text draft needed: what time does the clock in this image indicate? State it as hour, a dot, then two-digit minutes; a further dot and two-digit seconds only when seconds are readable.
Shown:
10.16.19
